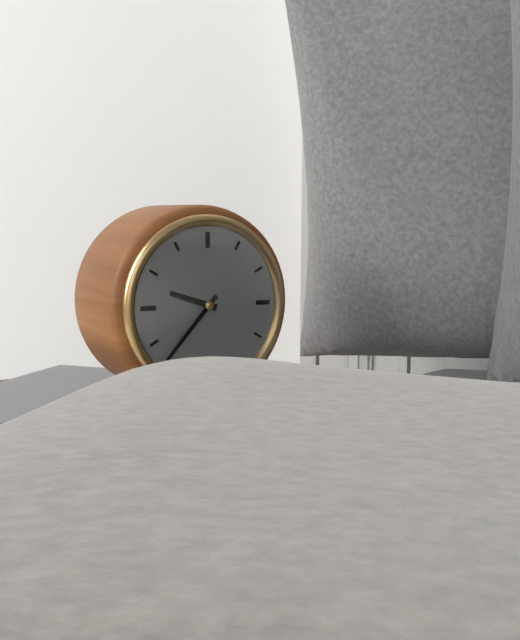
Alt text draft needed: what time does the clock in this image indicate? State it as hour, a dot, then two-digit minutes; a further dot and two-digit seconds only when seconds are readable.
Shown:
9.37
